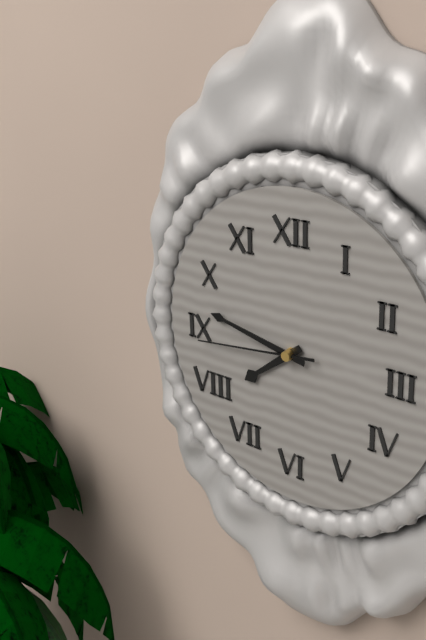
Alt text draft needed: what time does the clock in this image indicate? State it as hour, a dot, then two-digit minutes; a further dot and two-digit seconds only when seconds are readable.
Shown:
7.47.44
